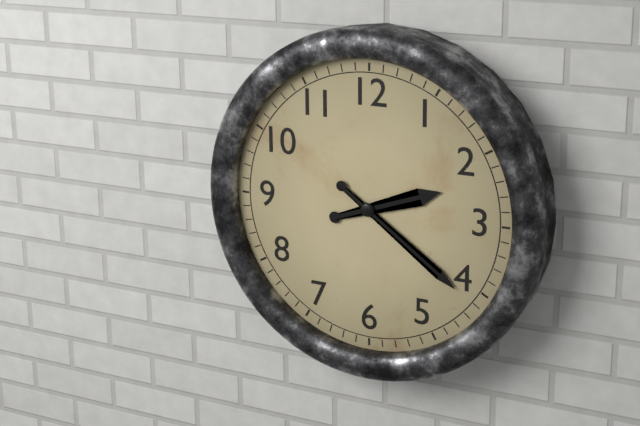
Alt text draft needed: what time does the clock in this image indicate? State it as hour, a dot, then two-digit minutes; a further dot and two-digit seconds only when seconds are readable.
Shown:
2.21
